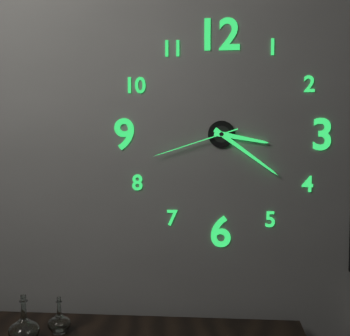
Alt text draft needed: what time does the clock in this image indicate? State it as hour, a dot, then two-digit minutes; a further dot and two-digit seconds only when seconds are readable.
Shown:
3.21.42
